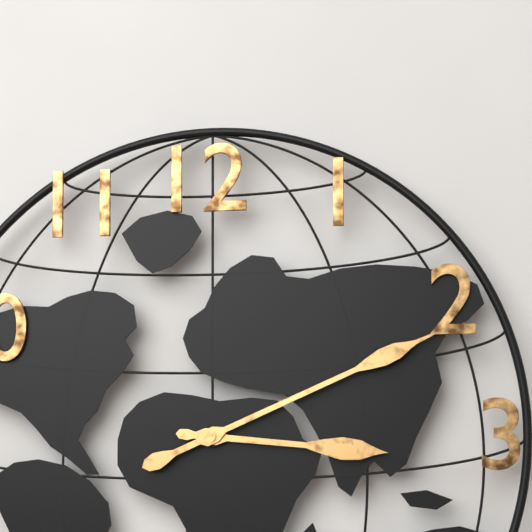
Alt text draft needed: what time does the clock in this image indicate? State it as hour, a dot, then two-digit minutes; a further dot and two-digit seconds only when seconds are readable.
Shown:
3.11
